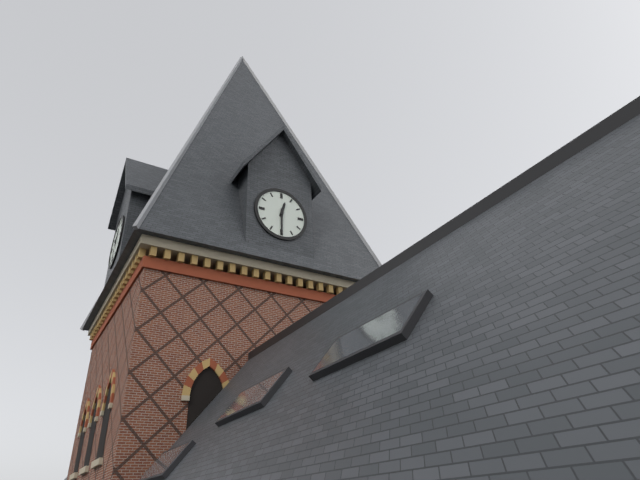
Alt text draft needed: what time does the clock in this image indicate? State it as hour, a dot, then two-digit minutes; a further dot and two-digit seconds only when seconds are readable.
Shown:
12.30
